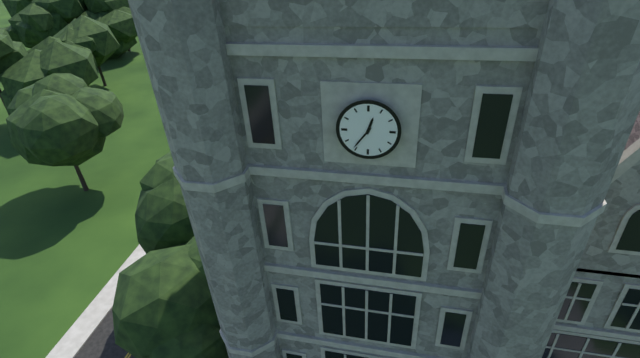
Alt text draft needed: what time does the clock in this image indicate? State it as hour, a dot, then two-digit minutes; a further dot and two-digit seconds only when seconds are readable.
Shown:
12.36
